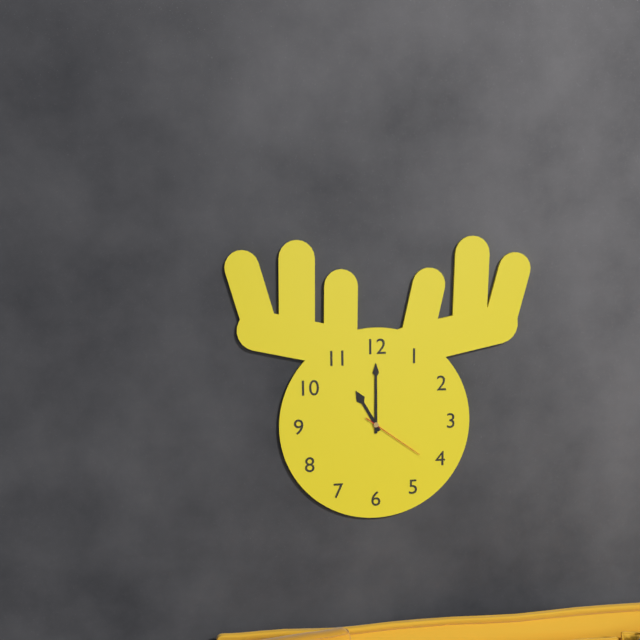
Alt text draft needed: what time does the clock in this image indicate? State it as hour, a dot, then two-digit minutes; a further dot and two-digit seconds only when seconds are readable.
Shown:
11.00.21
